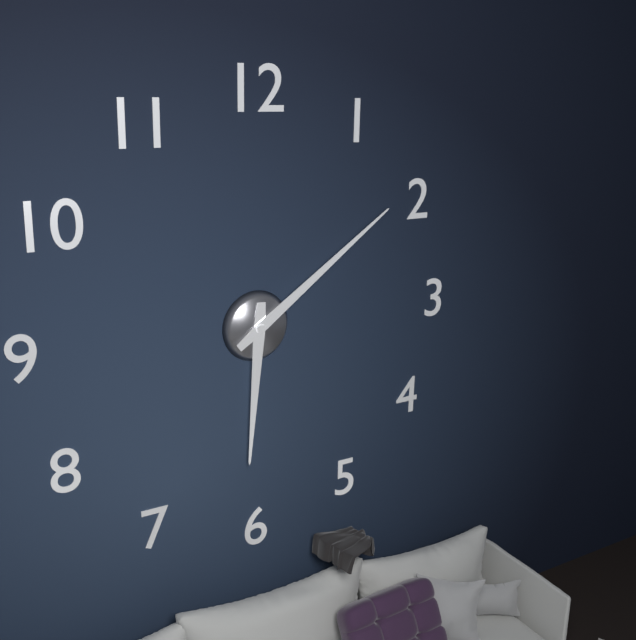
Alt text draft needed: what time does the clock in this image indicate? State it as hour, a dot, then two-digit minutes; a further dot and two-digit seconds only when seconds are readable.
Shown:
6.09
